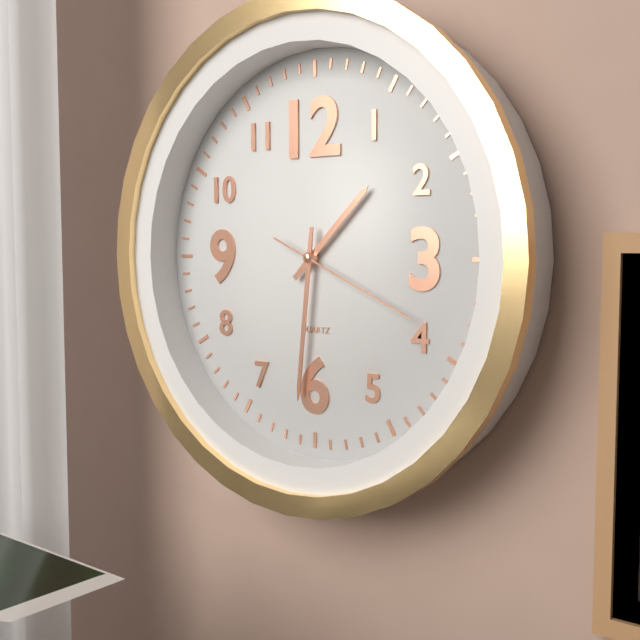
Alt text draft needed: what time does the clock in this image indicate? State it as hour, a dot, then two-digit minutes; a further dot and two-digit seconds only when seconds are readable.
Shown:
1.31.19
